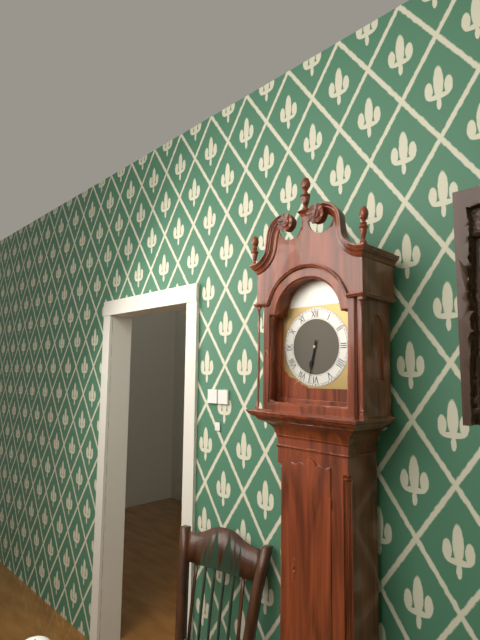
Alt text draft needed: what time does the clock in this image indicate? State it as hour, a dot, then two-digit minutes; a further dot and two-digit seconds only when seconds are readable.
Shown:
6.32
